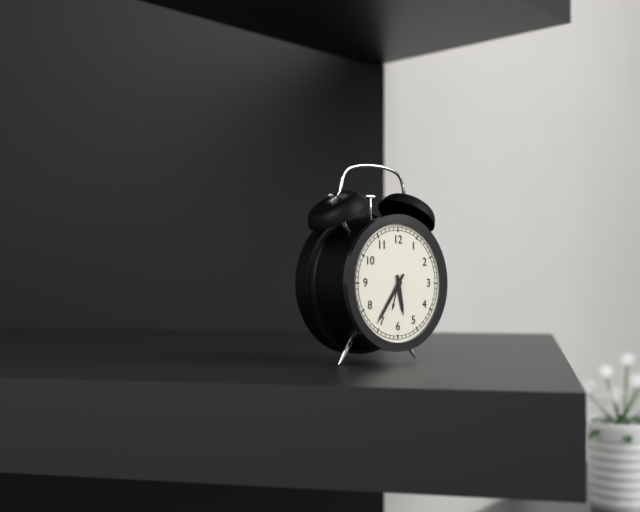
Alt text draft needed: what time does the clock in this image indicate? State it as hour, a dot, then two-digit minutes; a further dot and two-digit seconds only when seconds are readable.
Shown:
5.36
